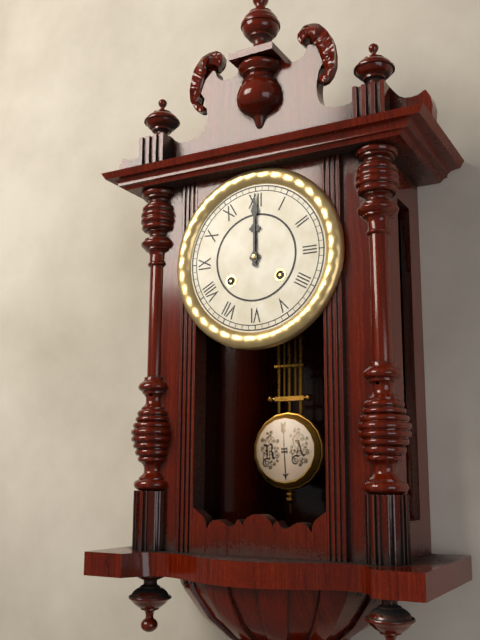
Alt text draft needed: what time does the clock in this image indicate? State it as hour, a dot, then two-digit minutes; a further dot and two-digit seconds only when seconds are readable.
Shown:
12.00
